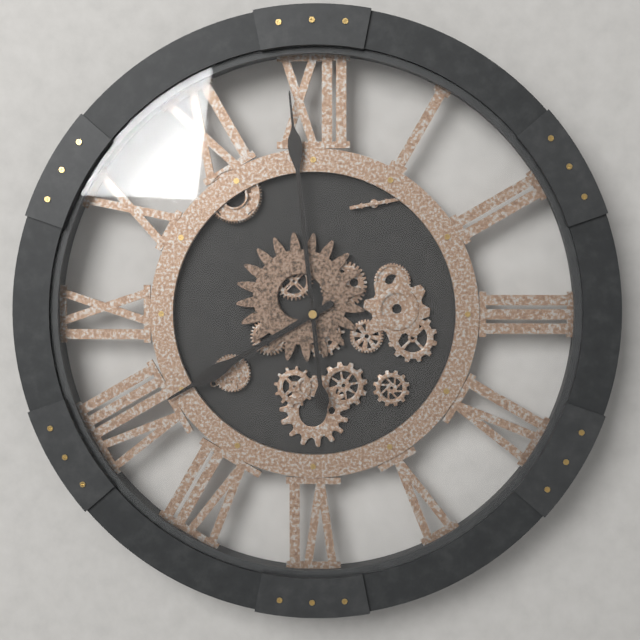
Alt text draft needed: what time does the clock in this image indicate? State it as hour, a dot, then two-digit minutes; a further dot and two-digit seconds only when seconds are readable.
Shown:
7.59
